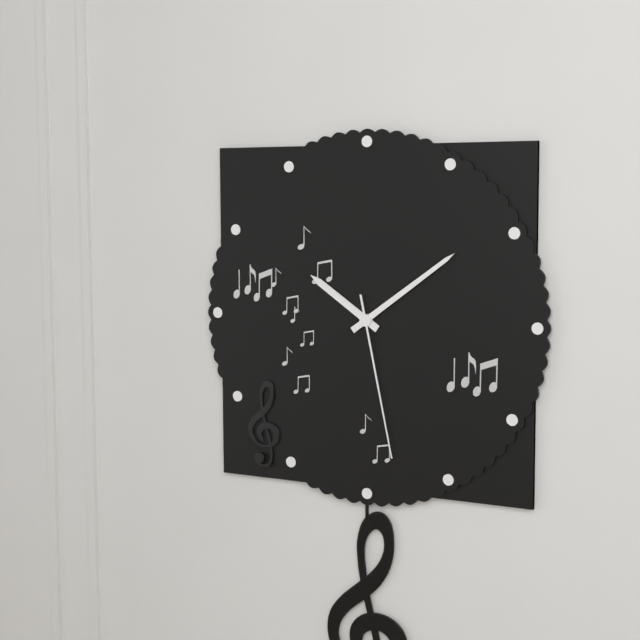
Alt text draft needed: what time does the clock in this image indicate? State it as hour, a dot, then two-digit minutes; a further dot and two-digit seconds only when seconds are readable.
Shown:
10.09.28
